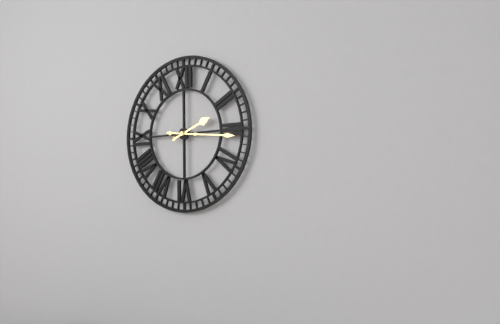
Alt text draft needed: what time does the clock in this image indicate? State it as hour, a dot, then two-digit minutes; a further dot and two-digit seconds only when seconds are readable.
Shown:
2.16
